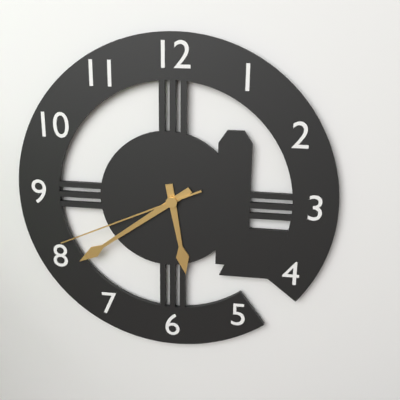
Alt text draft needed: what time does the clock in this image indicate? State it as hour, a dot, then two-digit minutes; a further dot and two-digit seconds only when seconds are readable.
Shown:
5.39.41
